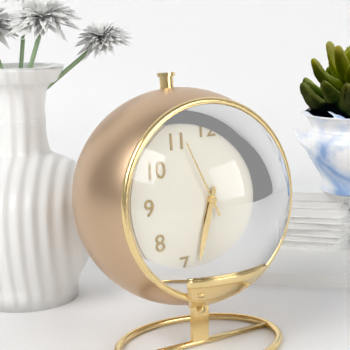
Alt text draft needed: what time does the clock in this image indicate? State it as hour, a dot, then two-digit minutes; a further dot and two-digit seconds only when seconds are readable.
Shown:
6.33.56
